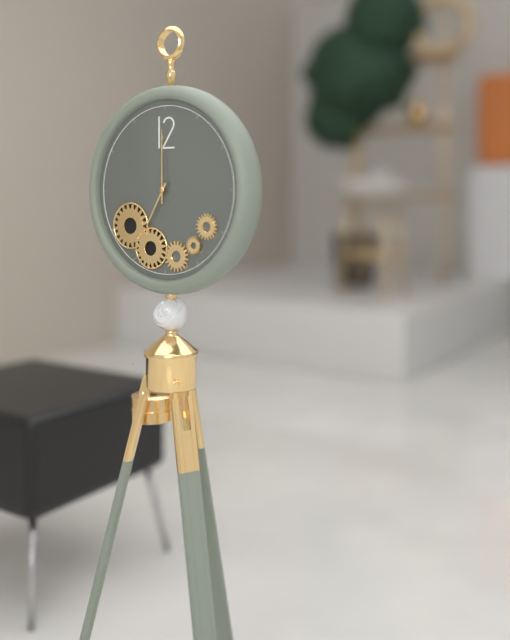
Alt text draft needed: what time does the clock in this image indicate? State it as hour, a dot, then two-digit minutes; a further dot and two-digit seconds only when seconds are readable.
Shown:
7.00
